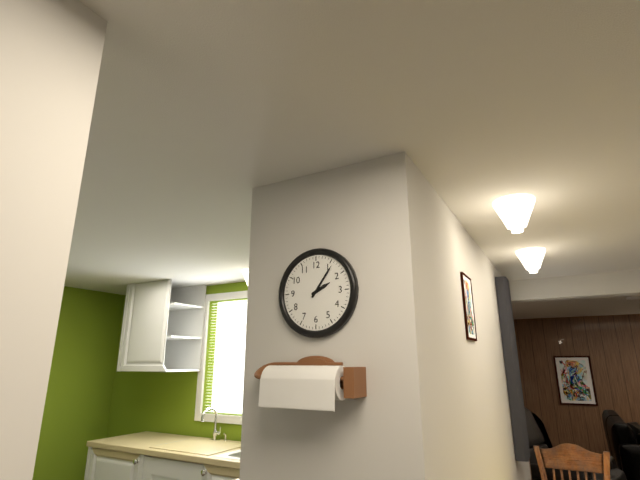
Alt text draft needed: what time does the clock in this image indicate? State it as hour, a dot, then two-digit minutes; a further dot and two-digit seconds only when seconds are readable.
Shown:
2.06
